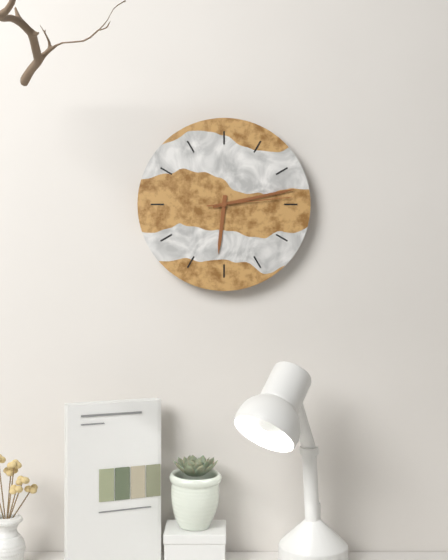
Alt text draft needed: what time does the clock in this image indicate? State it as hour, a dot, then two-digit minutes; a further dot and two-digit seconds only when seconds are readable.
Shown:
6.13.14
